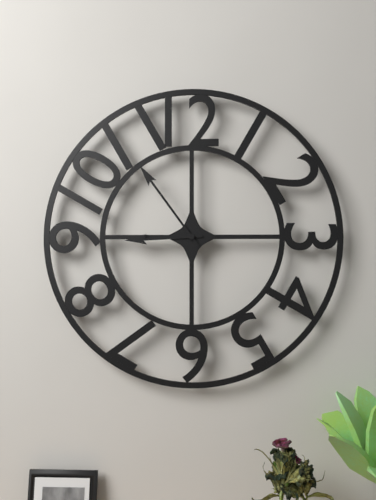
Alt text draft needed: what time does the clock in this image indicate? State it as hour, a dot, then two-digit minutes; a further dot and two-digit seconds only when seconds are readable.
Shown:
8.54
